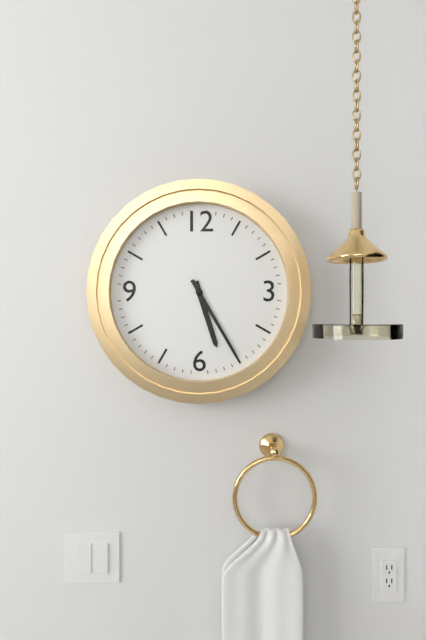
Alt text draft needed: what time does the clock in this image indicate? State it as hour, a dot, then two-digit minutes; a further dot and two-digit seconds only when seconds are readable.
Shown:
5.25
